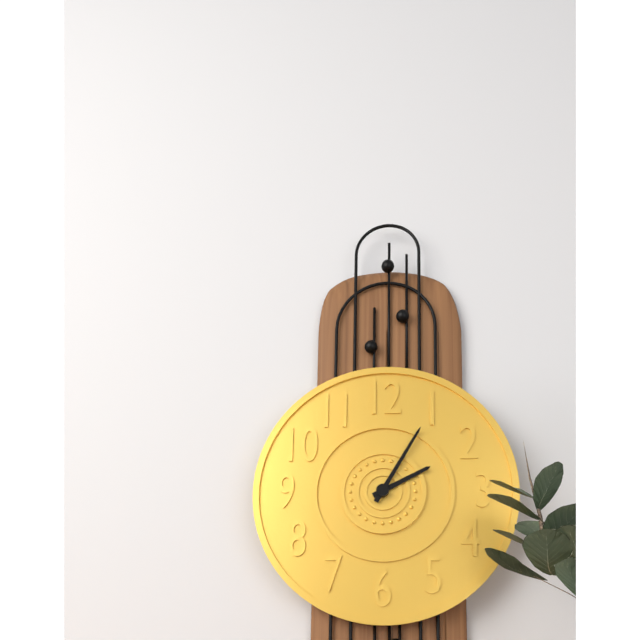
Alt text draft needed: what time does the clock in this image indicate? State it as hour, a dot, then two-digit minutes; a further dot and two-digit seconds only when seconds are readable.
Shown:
2.05
